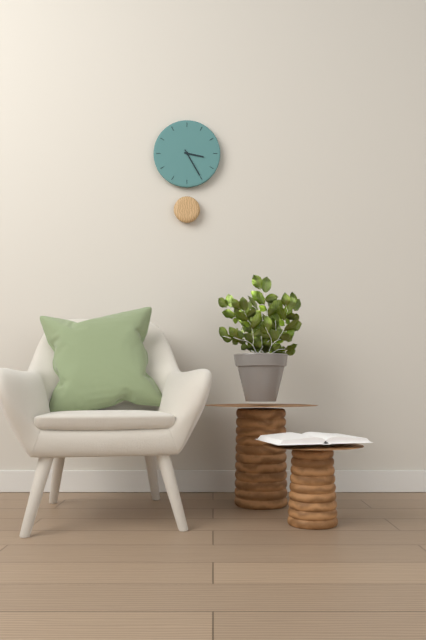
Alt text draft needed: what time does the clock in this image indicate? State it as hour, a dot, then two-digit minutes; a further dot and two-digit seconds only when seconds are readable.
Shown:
3.25
